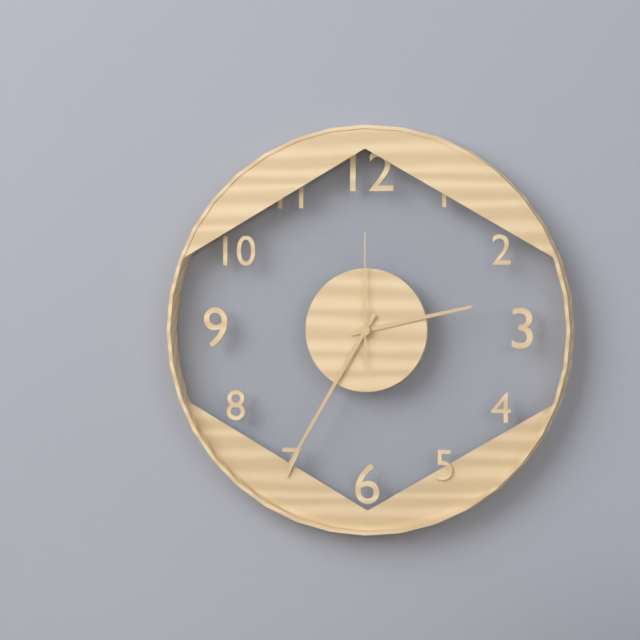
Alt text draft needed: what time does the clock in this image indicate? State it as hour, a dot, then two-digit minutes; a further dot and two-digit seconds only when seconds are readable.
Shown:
2.35.00
